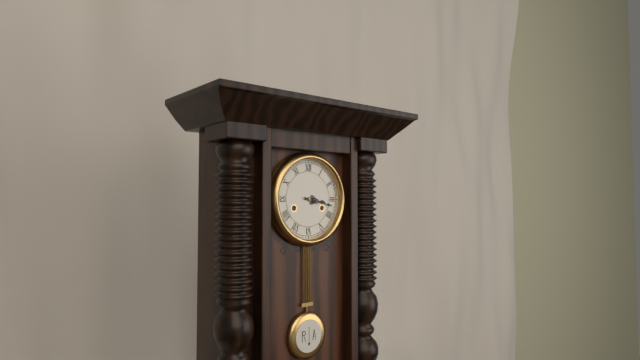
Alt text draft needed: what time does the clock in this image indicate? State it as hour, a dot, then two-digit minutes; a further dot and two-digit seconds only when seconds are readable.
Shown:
3.17
